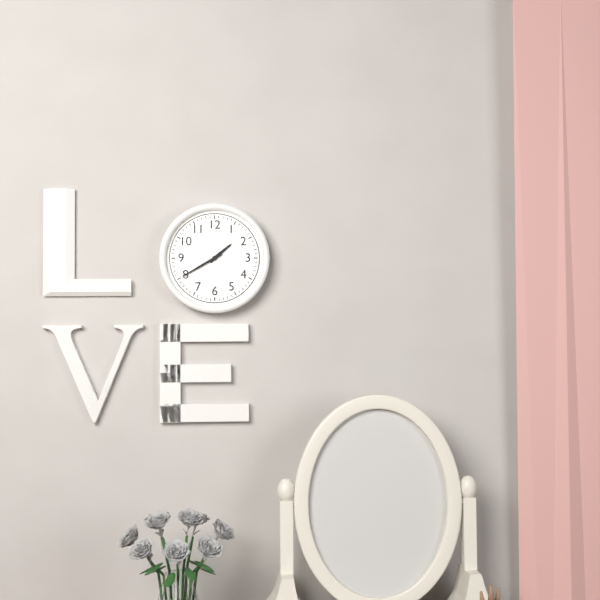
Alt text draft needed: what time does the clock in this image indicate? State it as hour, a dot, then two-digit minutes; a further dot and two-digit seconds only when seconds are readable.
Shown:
1.40
